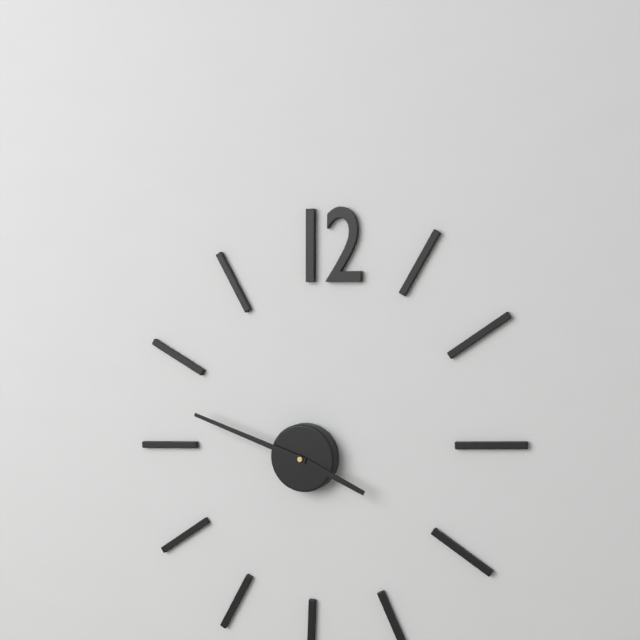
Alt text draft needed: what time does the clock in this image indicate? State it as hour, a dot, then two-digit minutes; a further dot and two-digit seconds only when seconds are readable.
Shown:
3.48
